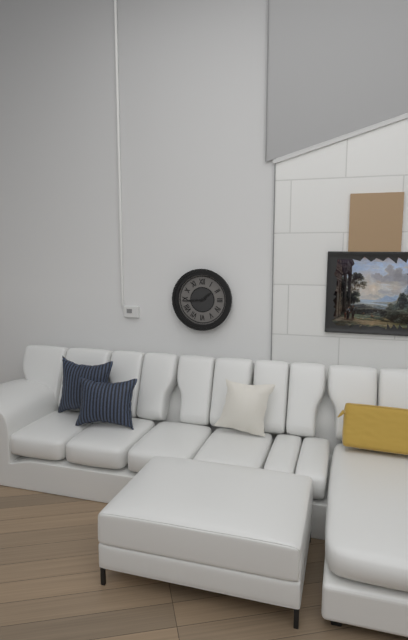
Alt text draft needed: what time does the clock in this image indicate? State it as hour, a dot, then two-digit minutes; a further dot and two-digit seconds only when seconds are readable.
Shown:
1.44
